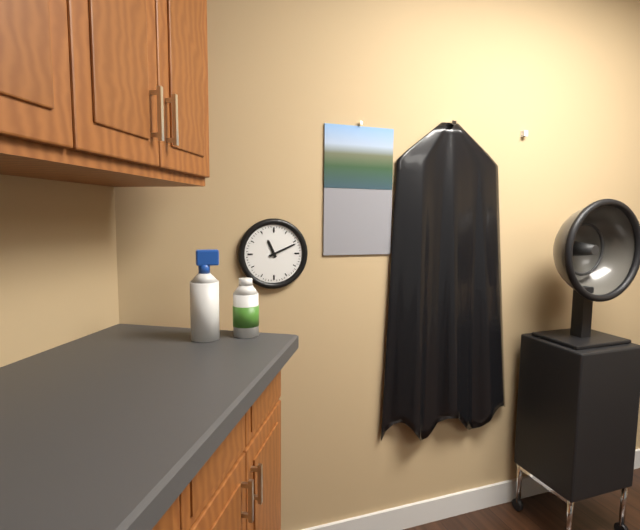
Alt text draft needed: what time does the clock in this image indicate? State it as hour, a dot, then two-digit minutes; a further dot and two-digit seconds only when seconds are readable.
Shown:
11.11
